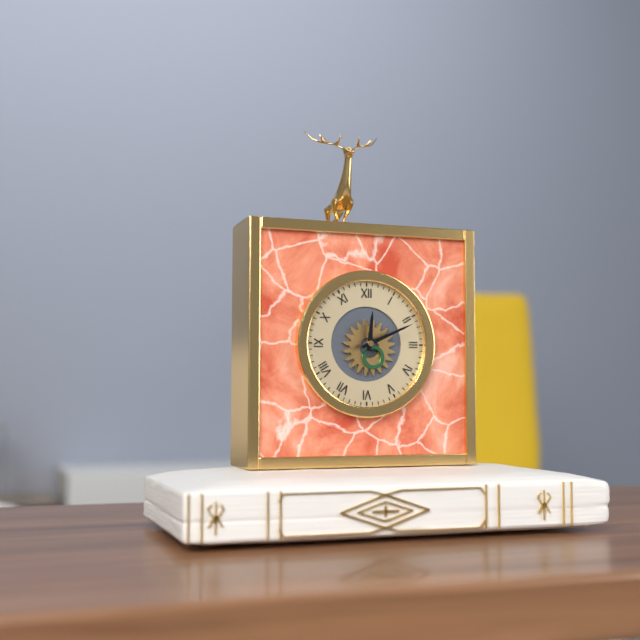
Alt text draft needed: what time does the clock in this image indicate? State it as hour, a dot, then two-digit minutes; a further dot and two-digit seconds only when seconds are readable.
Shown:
12.11
